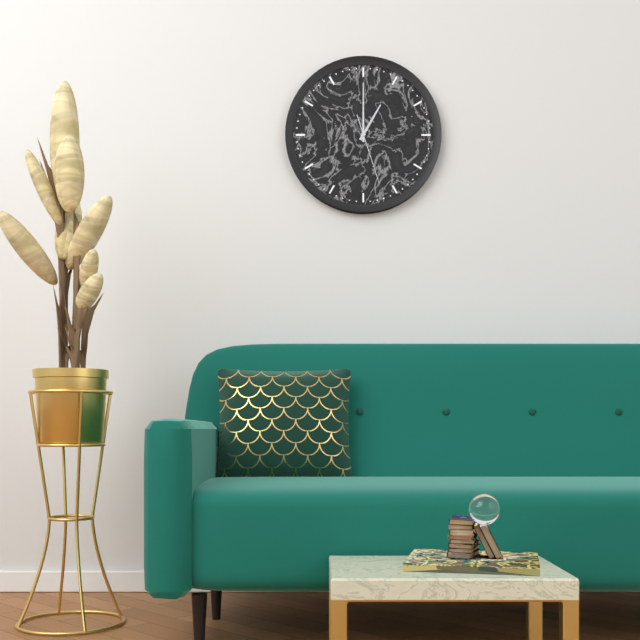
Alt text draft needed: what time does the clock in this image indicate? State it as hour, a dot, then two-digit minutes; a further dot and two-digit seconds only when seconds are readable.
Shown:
1.00.27
